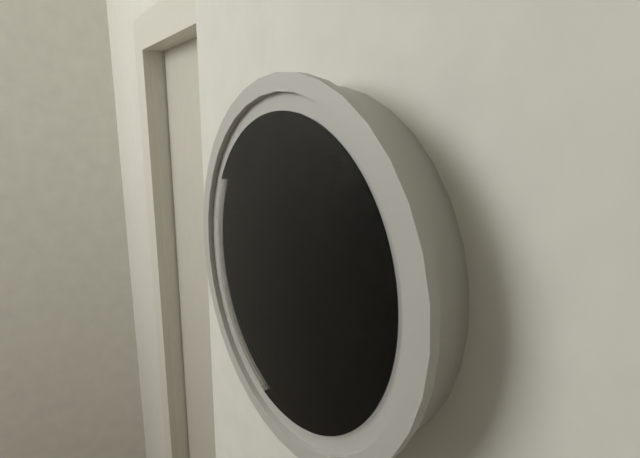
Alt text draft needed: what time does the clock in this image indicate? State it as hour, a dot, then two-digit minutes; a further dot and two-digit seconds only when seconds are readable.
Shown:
8.27.49
